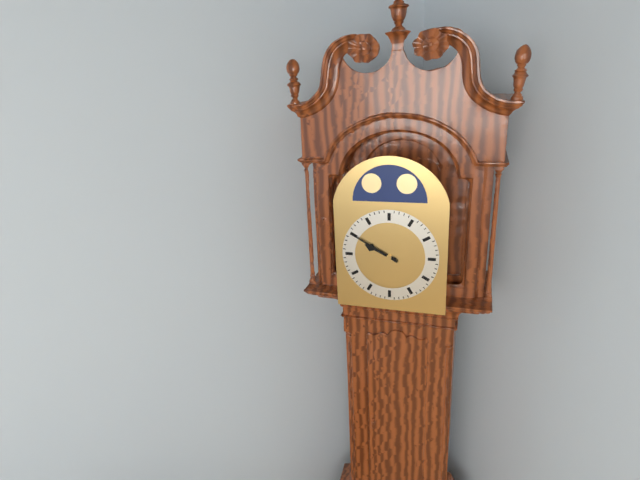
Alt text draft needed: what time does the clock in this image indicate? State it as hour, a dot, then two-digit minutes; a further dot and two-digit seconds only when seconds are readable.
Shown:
9.50
